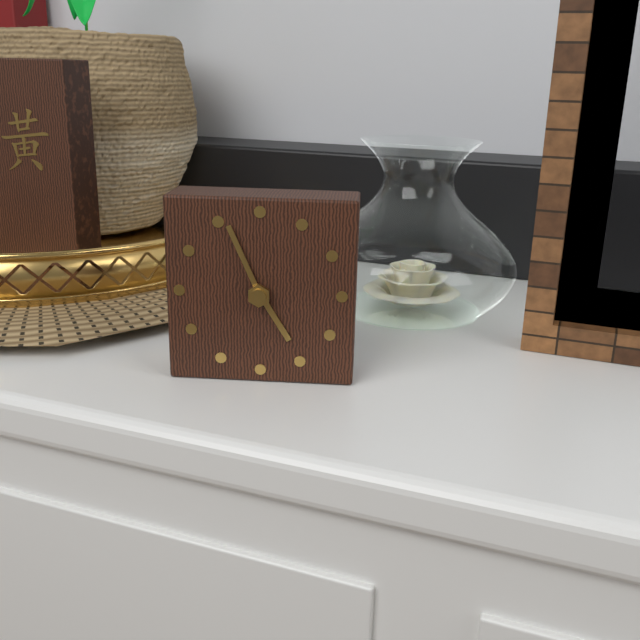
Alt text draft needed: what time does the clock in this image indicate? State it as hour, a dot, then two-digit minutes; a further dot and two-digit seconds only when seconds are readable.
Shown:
4.56
